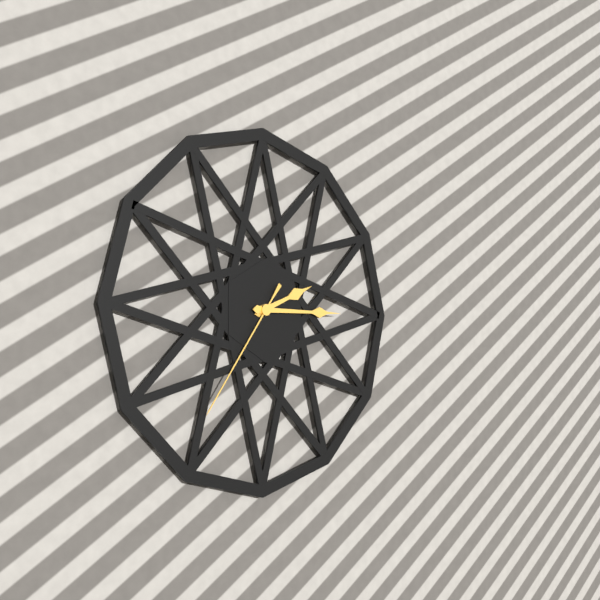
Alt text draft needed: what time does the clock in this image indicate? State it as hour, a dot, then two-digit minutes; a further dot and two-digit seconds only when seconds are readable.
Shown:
2.15.36
